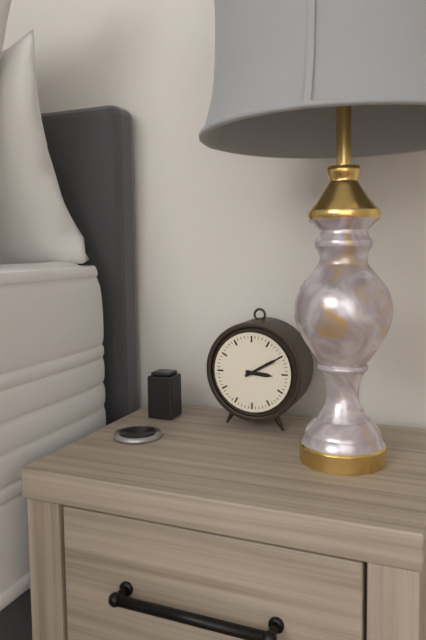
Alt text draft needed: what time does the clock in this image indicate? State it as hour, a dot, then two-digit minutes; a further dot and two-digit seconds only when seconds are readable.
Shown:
3.10
